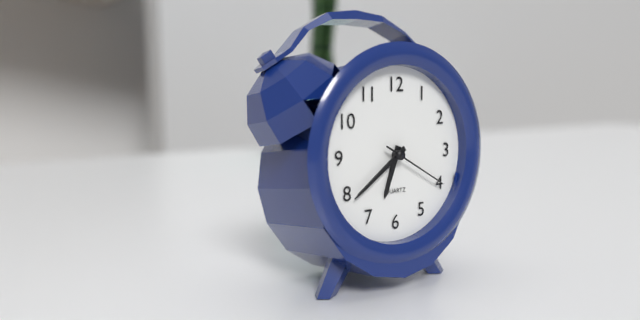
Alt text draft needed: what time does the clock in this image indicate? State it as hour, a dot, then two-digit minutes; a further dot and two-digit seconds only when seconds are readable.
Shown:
6.39.20
